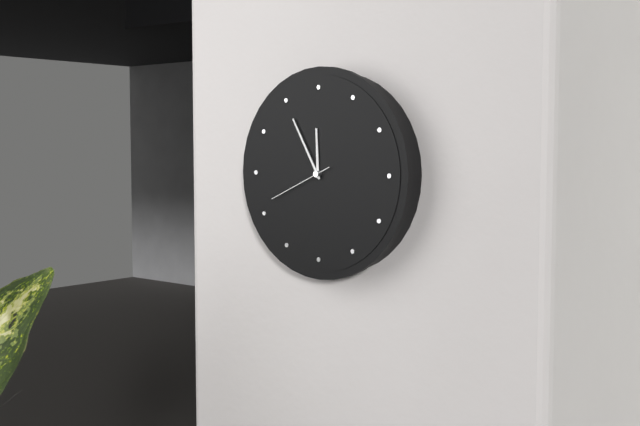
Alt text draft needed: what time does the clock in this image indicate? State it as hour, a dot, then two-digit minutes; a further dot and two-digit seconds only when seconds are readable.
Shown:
11.55.41
